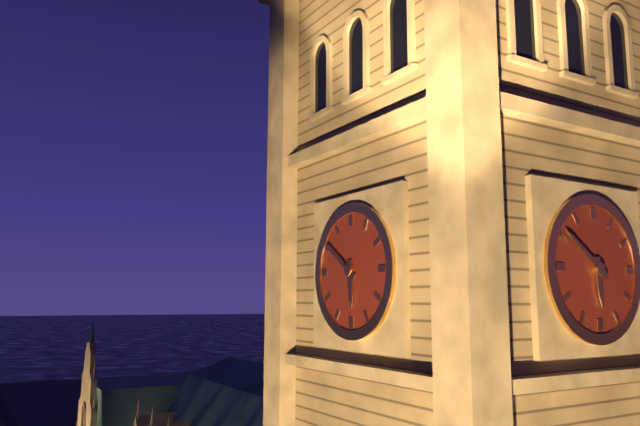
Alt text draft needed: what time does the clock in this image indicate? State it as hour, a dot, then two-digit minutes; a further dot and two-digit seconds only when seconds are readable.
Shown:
5.51
